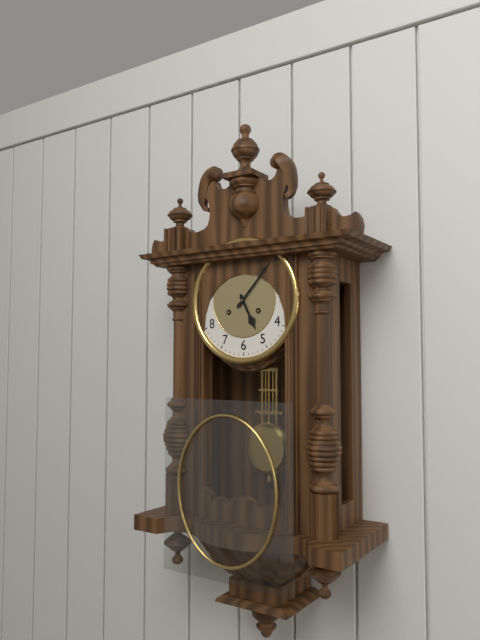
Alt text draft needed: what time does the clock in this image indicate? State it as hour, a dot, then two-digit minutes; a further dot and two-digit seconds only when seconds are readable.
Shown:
5.07
